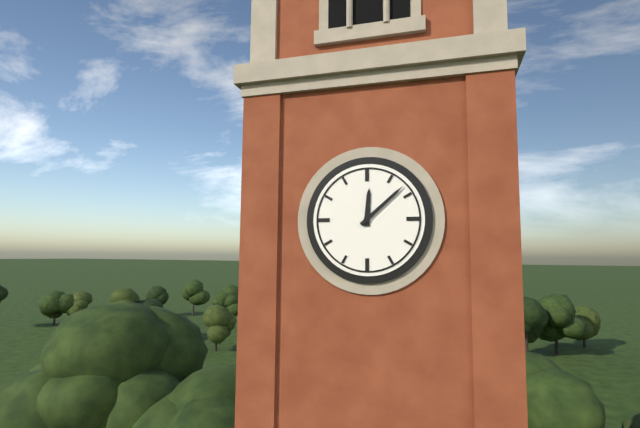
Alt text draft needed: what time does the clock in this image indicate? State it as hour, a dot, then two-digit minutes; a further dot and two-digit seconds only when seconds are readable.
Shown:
12.08
